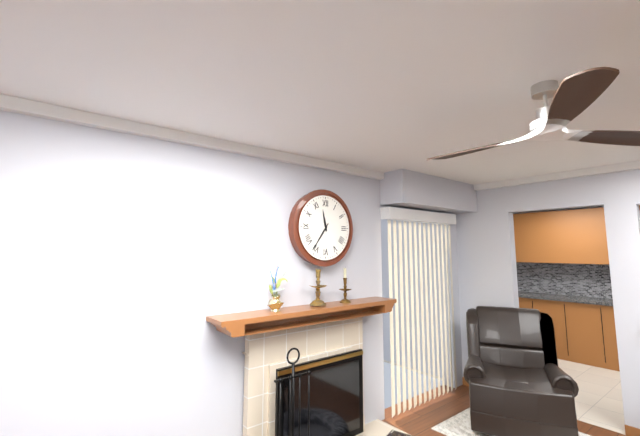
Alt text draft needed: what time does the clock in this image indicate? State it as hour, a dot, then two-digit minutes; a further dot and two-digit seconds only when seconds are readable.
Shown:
11.36
